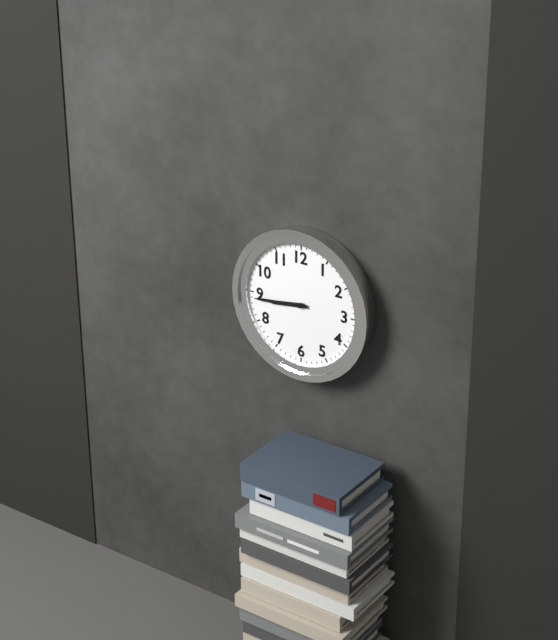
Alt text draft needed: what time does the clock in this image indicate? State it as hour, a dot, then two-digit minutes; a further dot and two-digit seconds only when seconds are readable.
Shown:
8.44
